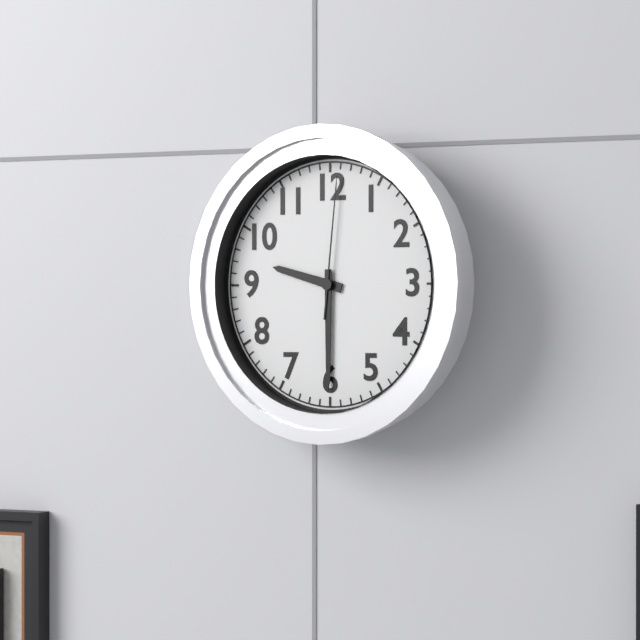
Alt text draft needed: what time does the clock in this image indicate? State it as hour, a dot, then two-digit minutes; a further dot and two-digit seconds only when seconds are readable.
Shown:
9.30.01
